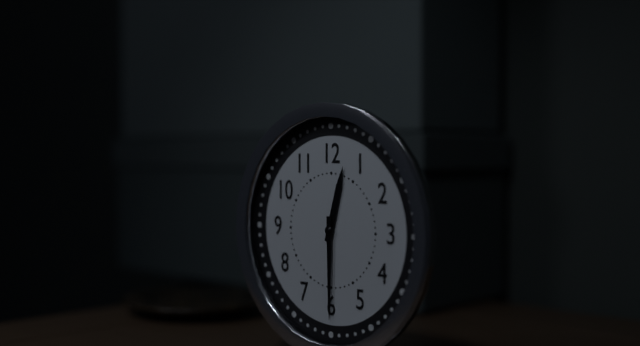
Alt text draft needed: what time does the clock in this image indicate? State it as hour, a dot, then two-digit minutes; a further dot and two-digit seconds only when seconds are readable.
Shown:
12.30
